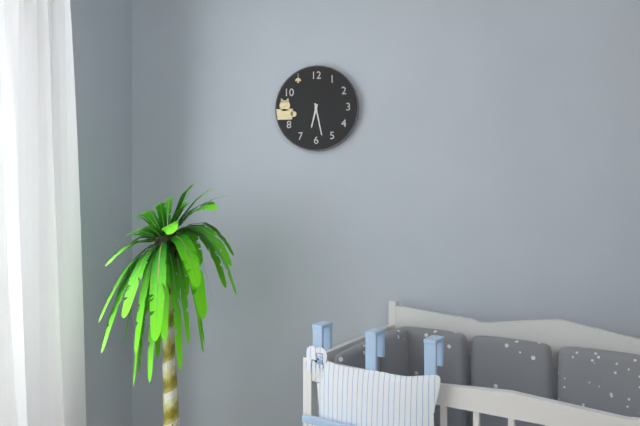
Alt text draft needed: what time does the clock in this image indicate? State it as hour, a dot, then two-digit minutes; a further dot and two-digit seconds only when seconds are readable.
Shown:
6.28
